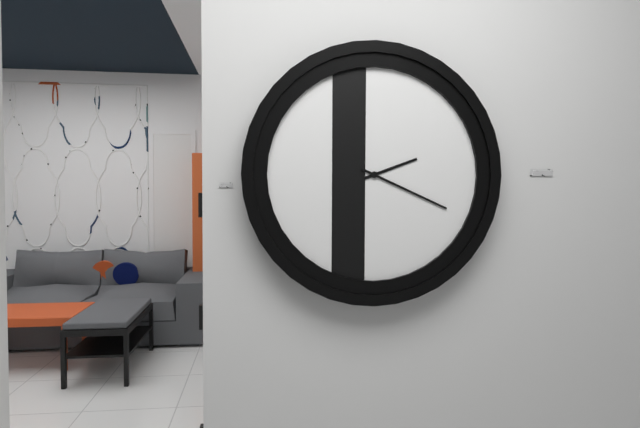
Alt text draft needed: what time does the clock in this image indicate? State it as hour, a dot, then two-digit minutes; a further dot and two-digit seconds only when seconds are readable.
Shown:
2.19
